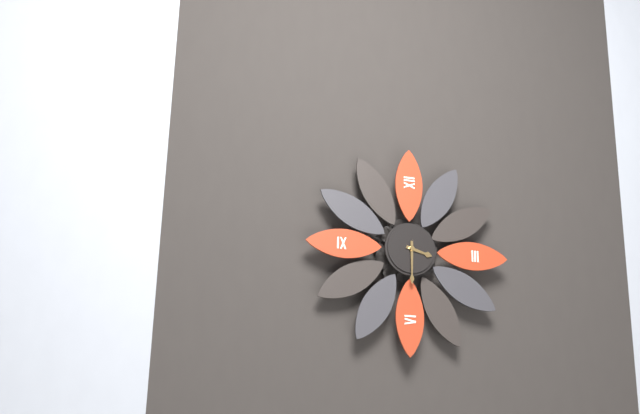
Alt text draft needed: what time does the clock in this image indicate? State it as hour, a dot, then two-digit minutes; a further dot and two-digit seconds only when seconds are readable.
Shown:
3.30
